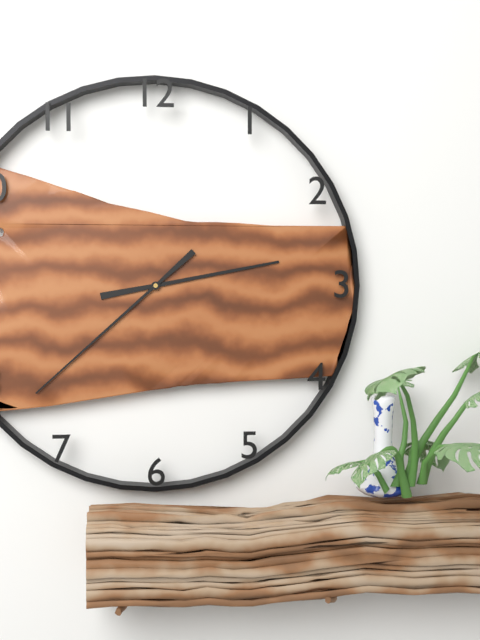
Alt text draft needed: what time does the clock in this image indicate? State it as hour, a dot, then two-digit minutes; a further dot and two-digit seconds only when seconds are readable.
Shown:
2.38
